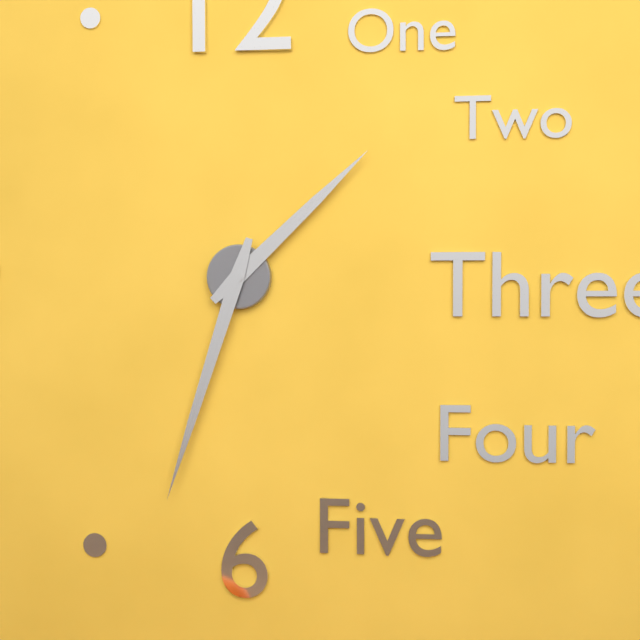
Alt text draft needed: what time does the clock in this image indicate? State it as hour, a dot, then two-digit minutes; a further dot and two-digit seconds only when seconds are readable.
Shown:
1.33
